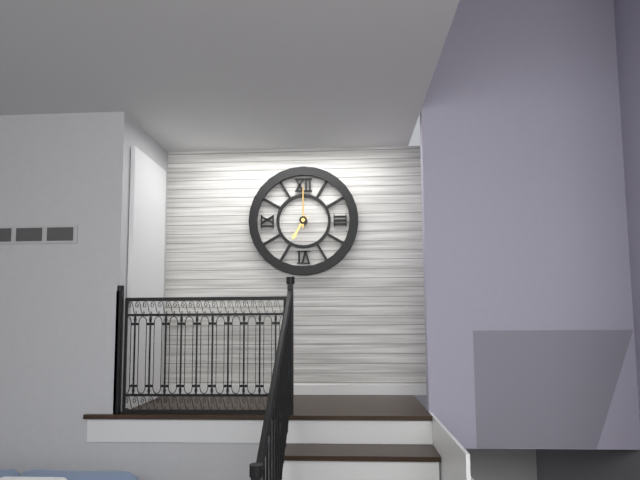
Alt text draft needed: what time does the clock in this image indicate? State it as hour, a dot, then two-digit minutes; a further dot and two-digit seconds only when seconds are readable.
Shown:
7.00
